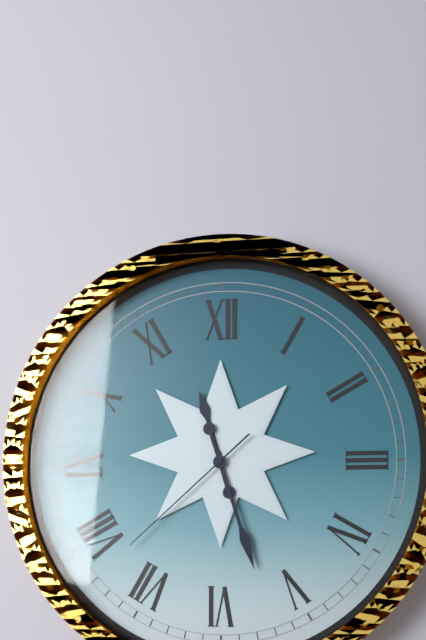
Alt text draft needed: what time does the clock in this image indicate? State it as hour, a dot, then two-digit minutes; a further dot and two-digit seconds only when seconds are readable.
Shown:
11.27.38
